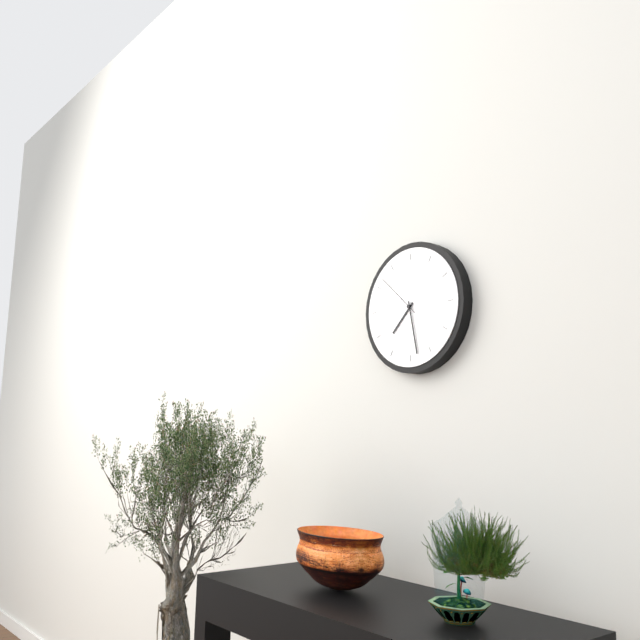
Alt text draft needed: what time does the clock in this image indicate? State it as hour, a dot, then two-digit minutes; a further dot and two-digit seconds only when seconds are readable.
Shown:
7.28
